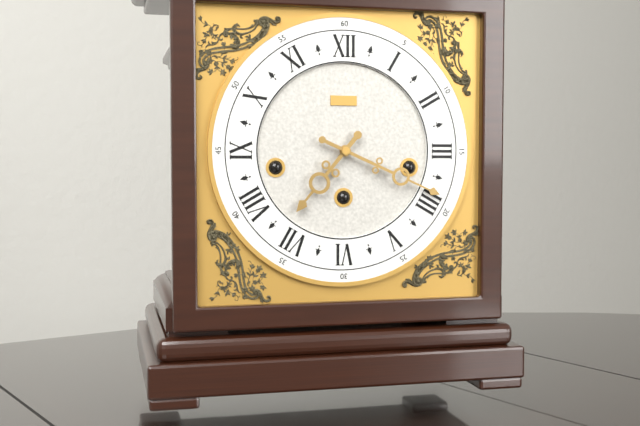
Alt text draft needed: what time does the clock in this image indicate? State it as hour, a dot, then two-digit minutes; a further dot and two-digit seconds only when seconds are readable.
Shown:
7.19
